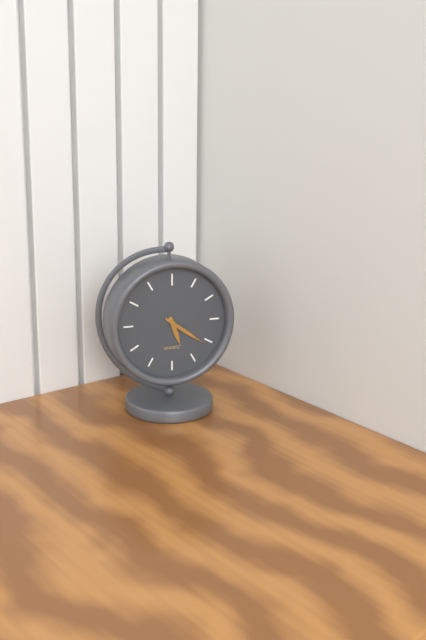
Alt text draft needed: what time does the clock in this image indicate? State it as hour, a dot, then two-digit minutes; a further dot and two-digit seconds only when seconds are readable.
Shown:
5.21
